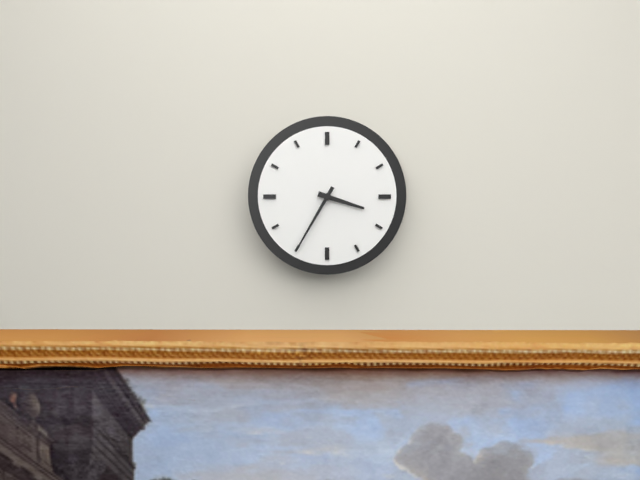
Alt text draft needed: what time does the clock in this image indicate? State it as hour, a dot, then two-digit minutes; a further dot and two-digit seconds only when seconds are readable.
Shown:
3.35
